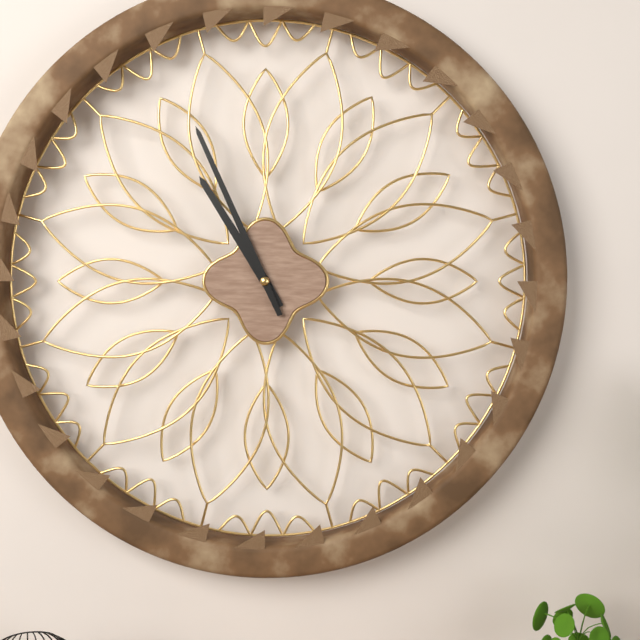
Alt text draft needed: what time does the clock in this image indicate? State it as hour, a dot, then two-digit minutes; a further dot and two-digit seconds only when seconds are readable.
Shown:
10.56
